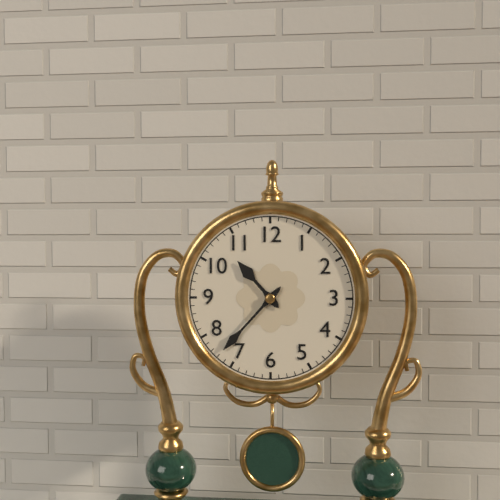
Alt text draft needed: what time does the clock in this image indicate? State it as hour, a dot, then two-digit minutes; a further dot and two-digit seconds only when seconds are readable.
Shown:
10.37
